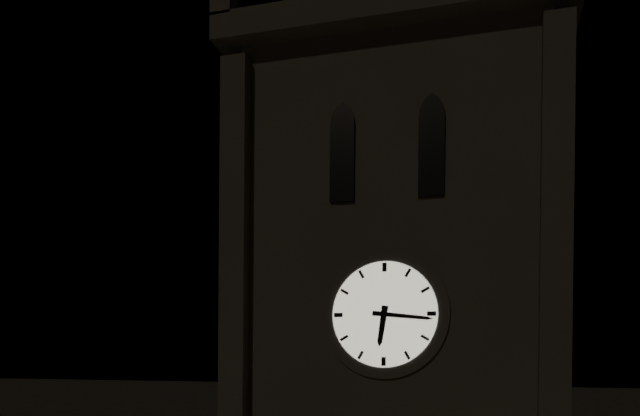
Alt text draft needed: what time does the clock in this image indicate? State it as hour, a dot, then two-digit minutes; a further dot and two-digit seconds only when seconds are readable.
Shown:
6.16
